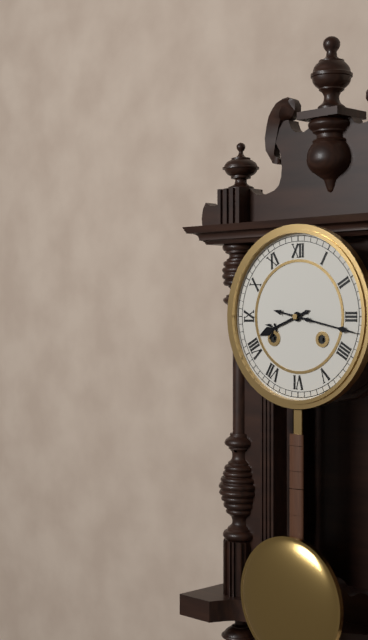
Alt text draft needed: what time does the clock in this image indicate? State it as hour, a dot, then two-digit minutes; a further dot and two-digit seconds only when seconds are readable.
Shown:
8.17
